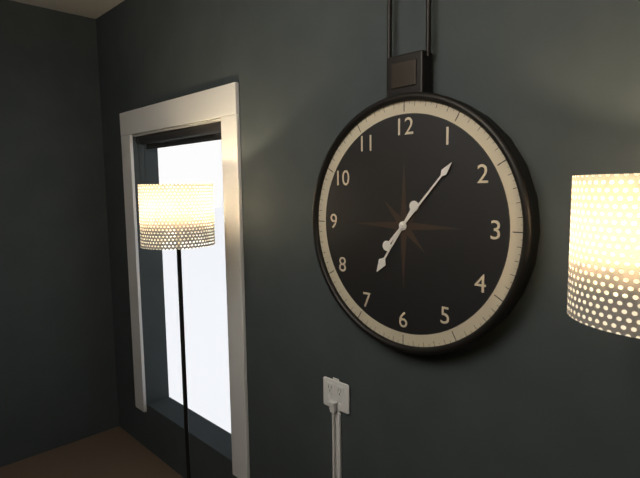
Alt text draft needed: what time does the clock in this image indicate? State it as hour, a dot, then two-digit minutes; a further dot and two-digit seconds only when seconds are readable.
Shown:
7.07
